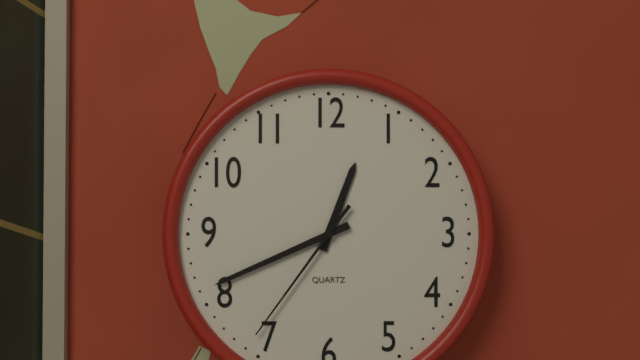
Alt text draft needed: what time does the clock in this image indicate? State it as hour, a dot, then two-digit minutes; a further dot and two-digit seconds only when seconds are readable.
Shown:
12.41.36
